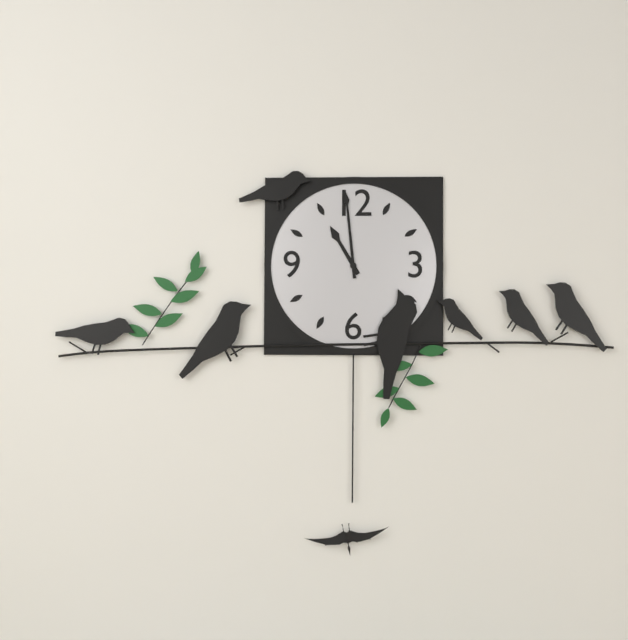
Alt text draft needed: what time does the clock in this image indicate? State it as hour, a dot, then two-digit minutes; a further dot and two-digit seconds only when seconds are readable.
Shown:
10.59
